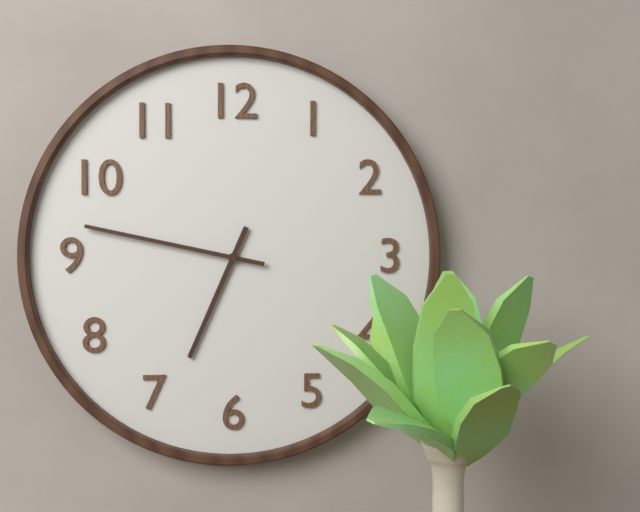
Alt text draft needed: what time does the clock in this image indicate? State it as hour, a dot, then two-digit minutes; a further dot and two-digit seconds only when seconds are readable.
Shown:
6.47
